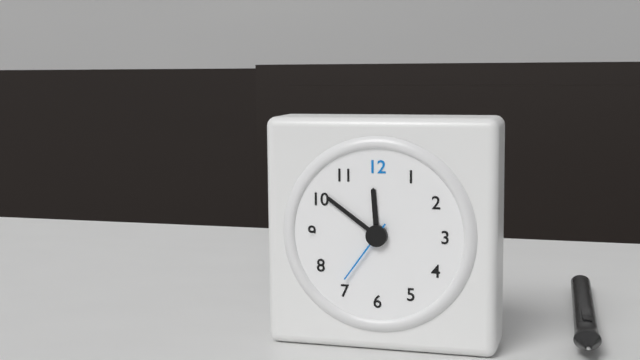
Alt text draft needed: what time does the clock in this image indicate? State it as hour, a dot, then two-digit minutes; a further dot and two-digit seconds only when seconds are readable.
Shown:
11.51.36
